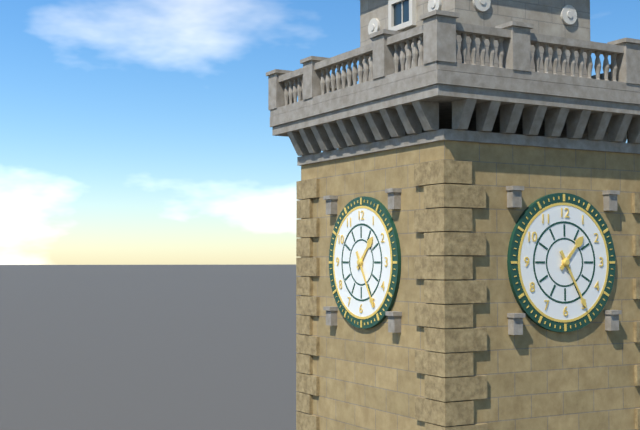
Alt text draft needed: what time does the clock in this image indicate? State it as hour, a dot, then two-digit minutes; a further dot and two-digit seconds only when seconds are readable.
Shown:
1.25
